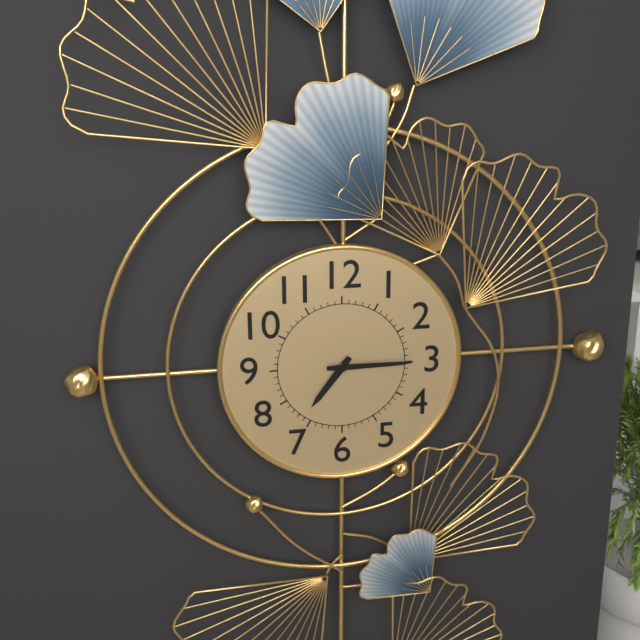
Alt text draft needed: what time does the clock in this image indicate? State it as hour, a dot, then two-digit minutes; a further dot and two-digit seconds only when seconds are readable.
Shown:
7.15
